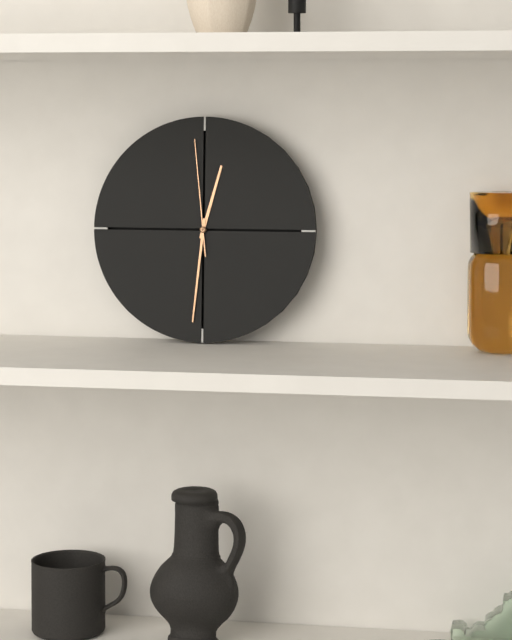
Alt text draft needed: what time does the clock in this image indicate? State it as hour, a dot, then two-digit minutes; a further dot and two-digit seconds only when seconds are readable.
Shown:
12.31.59
